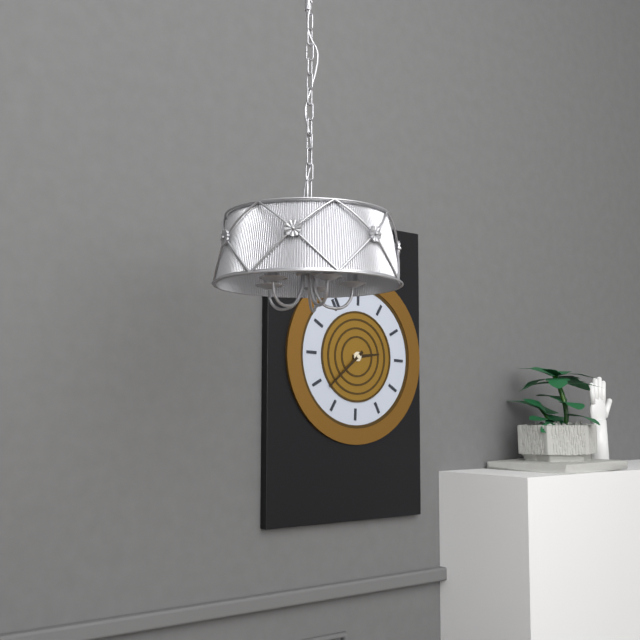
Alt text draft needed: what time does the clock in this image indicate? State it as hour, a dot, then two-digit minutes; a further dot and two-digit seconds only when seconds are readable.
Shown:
3.43
